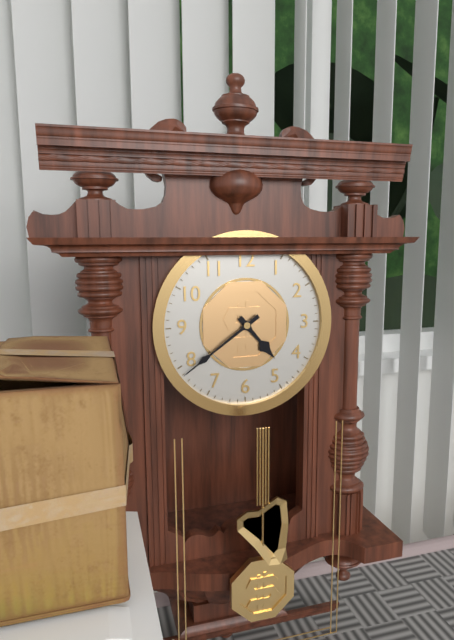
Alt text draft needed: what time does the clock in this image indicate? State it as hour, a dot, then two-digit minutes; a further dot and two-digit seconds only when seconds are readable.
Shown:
4.39
